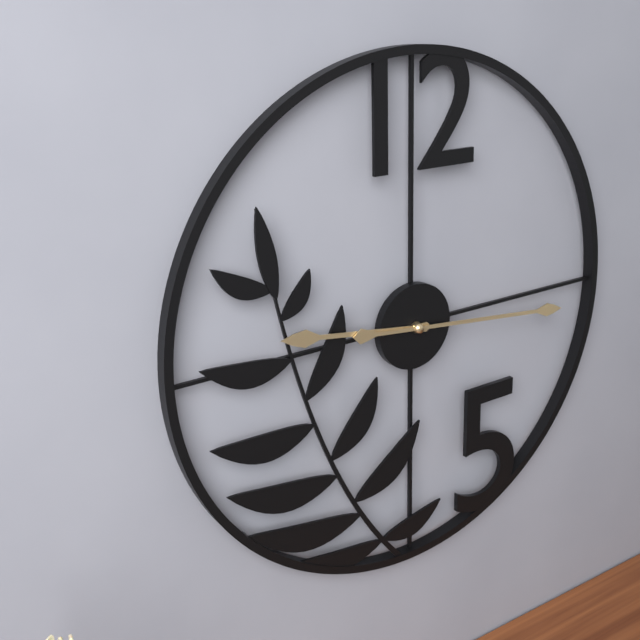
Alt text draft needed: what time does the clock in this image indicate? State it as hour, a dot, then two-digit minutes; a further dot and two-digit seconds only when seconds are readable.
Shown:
9.16
